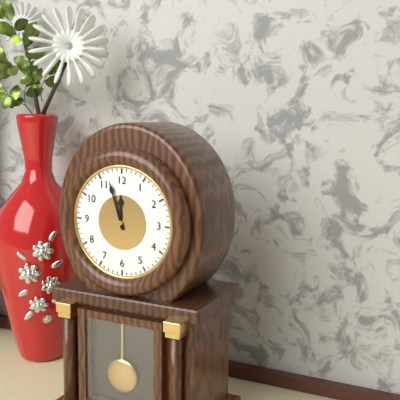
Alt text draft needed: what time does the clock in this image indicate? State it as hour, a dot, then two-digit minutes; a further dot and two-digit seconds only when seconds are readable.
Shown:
11.57
